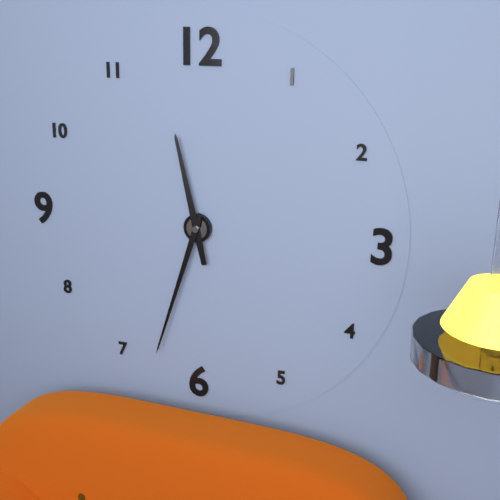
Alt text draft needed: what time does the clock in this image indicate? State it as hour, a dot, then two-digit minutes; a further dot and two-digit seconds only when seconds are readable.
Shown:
11.33
